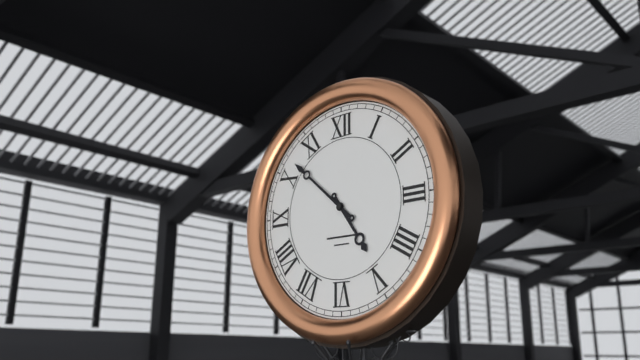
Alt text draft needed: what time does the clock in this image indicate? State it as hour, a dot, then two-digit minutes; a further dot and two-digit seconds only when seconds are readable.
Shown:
4.52
